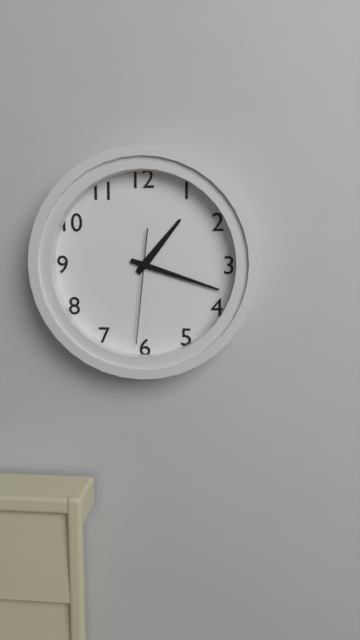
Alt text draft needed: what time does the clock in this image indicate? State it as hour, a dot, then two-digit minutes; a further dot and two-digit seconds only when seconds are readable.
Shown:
1.18.31
